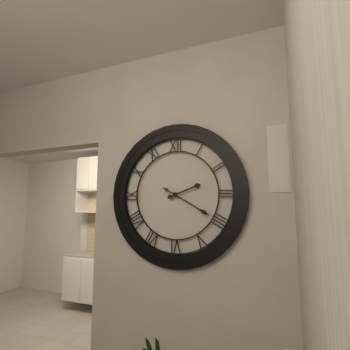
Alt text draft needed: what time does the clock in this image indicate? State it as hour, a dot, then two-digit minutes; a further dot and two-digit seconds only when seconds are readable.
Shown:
2.20
